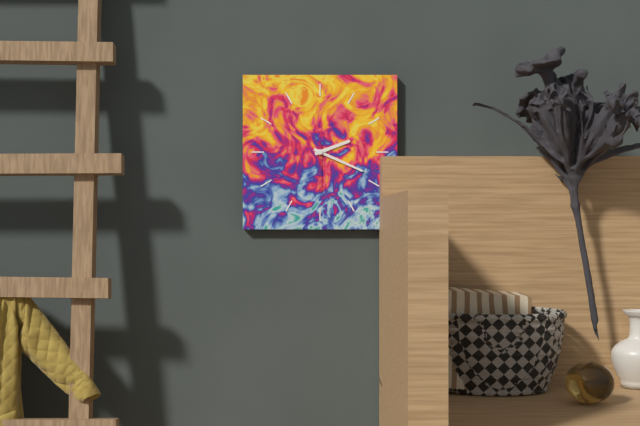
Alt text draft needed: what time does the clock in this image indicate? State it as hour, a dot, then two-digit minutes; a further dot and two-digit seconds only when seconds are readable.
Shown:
2.19
